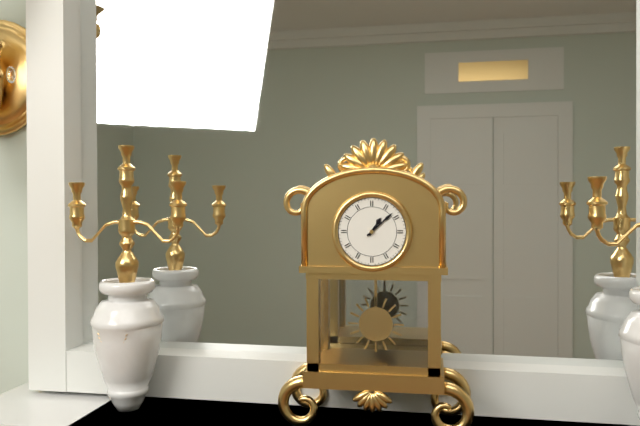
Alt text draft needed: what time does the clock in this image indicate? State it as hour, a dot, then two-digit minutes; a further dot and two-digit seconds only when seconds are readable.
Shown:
1.08
